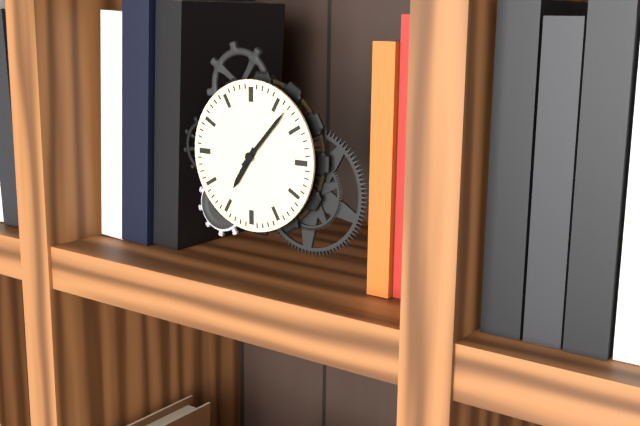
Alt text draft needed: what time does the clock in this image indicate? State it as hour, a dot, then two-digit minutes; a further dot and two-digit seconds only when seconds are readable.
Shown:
7.07
